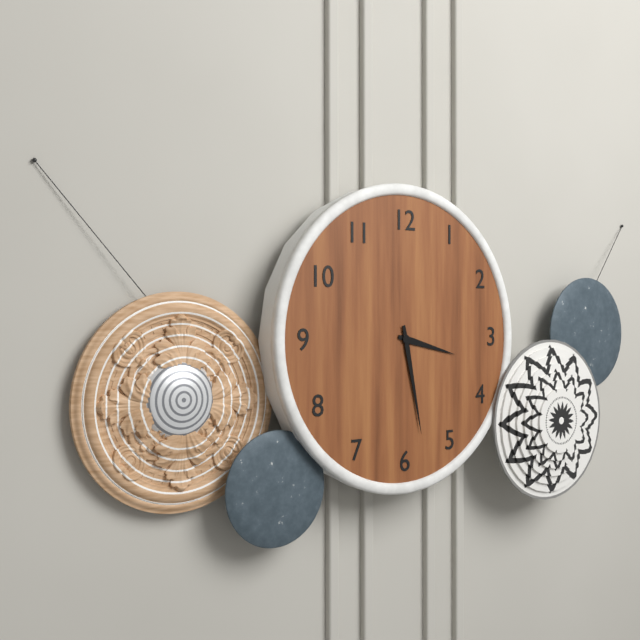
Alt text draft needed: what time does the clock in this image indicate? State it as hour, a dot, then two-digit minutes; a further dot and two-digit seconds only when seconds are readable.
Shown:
3.28
